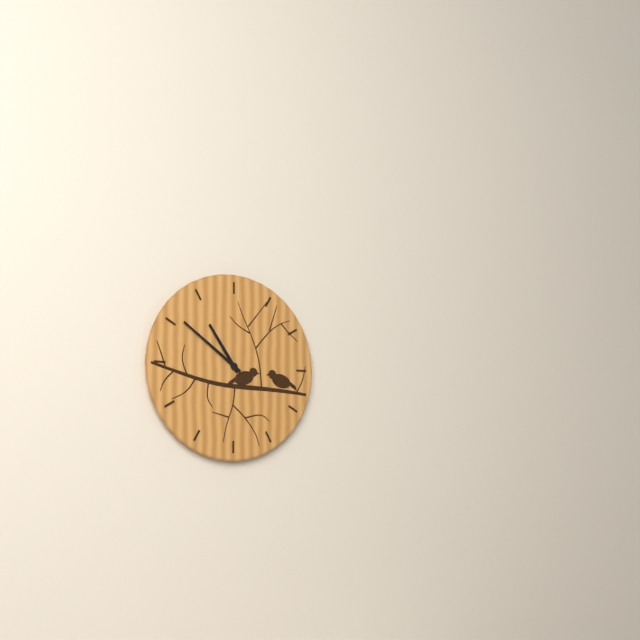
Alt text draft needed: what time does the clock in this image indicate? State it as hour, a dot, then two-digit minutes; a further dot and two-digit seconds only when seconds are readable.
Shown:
10.51
